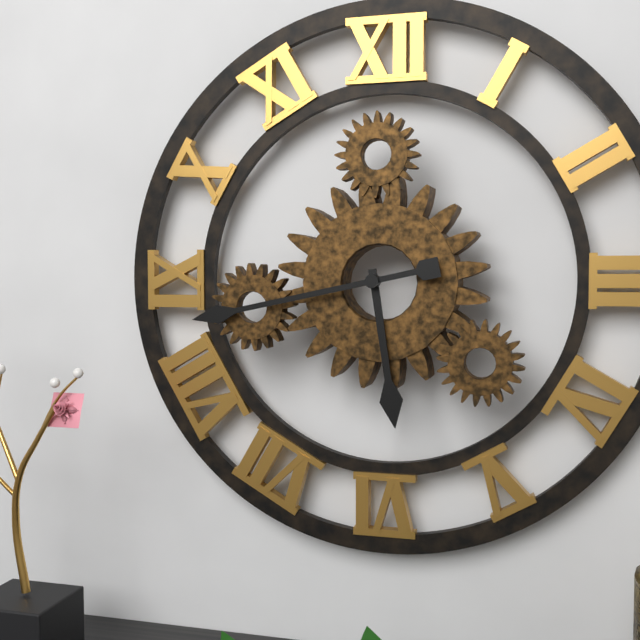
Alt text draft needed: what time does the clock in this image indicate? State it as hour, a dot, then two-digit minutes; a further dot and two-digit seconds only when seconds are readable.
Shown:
5.43
